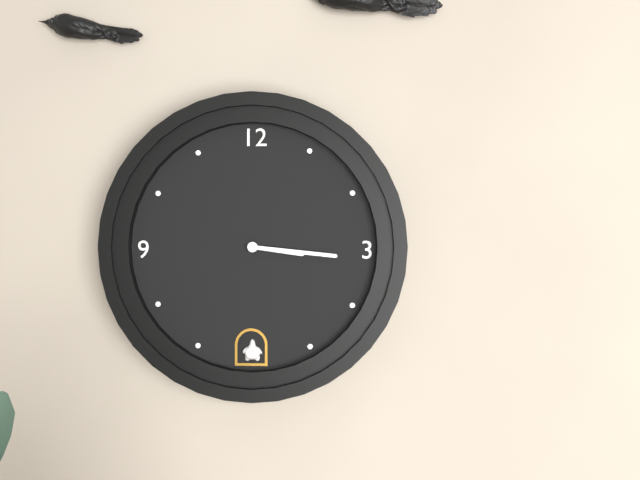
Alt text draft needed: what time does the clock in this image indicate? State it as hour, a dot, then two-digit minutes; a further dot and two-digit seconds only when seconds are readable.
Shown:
3.16
